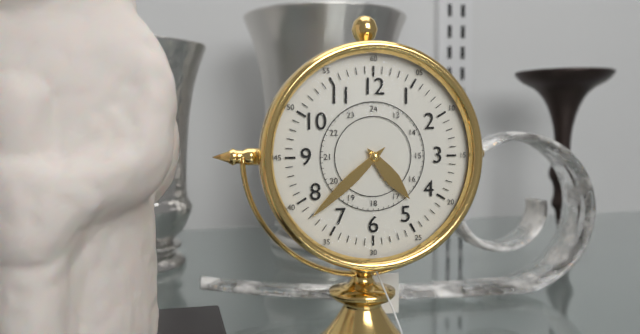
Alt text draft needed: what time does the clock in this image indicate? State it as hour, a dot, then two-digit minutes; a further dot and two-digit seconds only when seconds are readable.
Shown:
4.38
